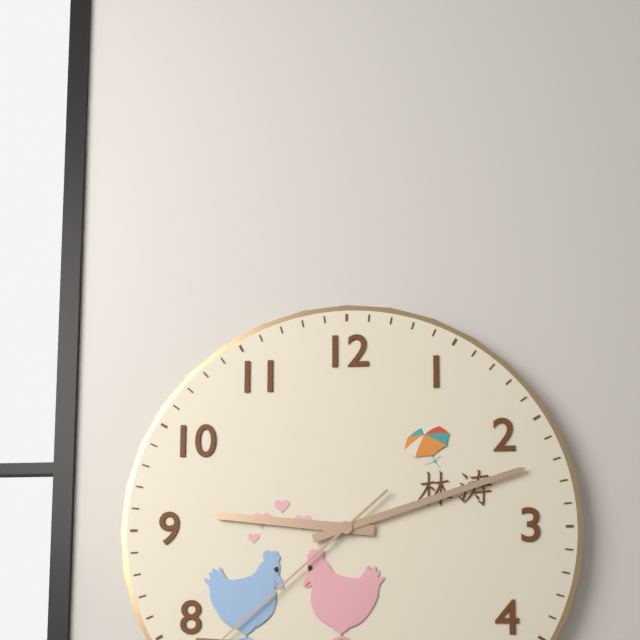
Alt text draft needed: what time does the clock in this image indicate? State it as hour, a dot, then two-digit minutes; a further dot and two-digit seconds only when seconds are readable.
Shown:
9.12
